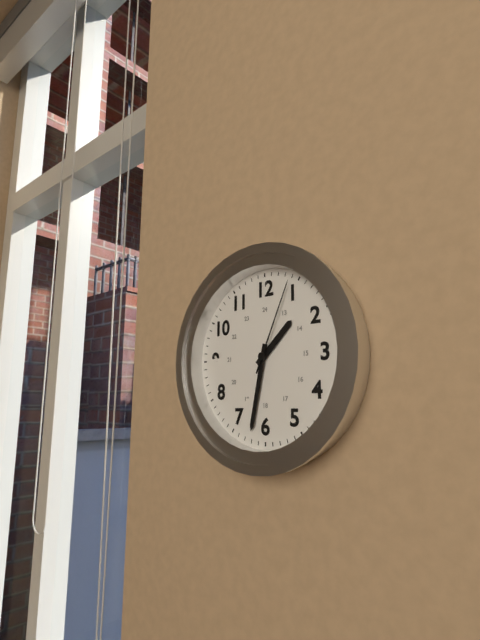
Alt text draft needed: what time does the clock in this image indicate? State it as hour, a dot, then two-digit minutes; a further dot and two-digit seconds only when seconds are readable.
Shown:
1.32.04
